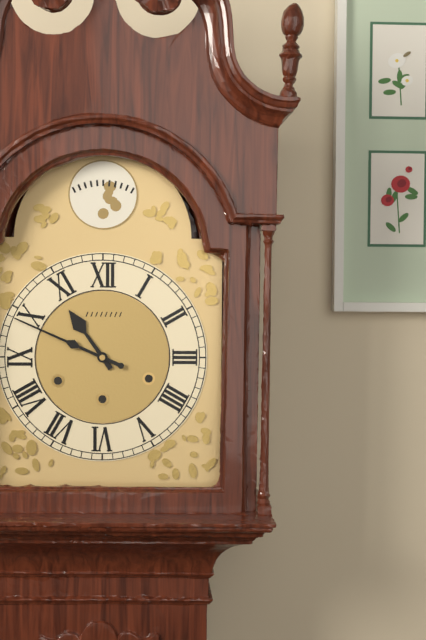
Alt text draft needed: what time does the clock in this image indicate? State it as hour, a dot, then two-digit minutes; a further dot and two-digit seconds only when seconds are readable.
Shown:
10.49
